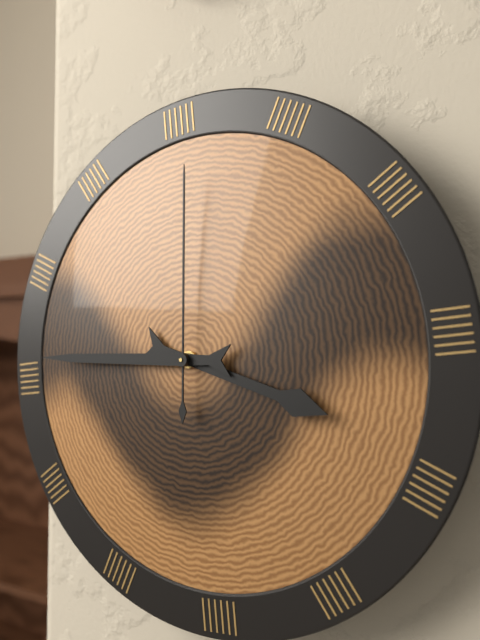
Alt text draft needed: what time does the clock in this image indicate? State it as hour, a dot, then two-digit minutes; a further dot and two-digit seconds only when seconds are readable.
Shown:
3.46.01
